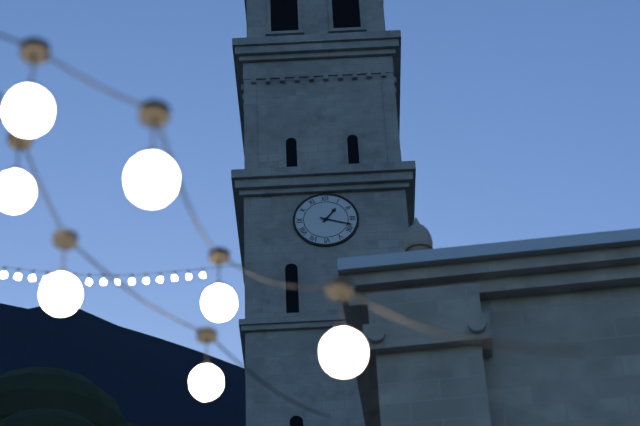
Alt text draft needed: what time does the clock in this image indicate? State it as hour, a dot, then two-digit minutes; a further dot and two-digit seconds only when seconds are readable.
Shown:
1.18
